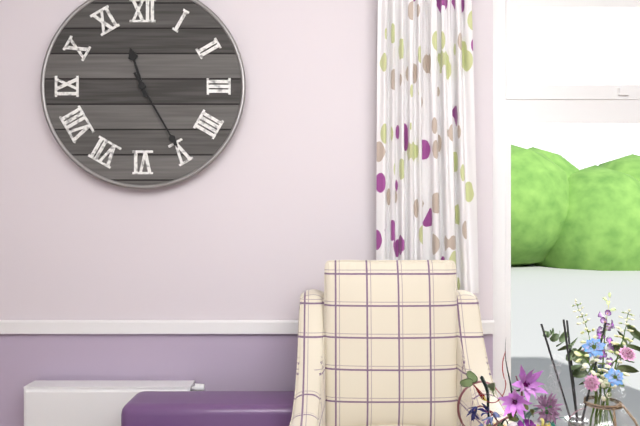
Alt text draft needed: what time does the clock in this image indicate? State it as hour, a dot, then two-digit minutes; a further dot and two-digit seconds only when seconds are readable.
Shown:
11.25
